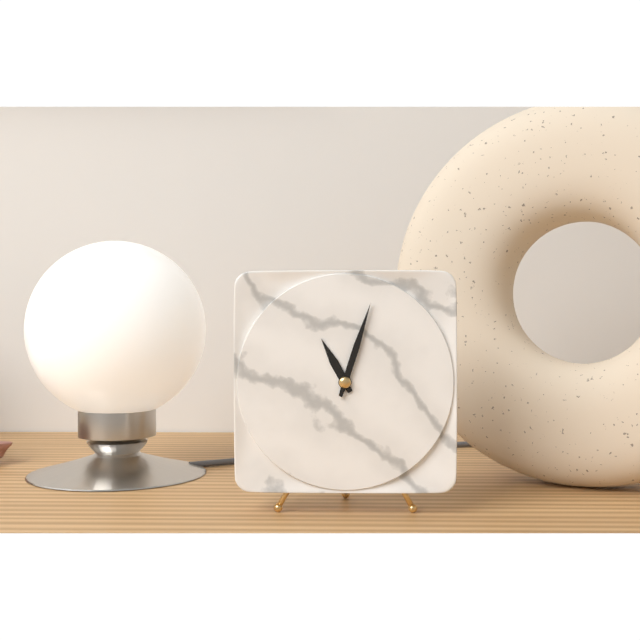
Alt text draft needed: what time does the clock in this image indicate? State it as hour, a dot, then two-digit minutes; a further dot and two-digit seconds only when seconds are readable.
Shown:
11.03
